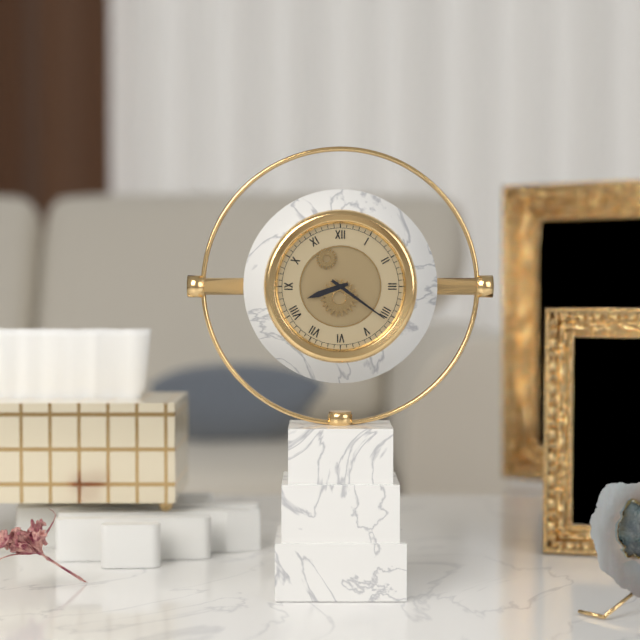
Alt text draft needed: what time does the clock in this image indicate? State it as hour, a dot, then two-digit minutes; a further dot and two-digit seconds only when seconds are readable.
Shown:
8.21
